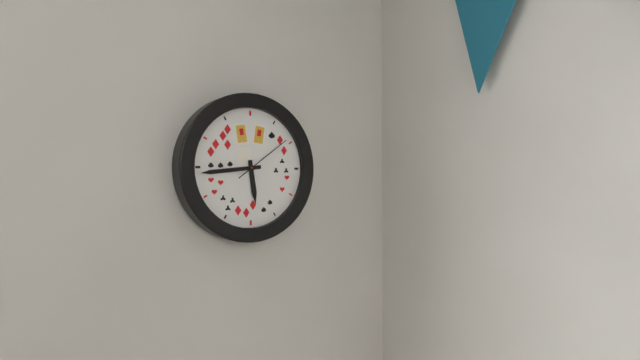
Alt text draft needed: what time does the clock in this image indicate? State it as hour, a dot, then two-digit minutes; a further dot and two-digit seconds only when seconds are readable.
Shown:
5.44.09
